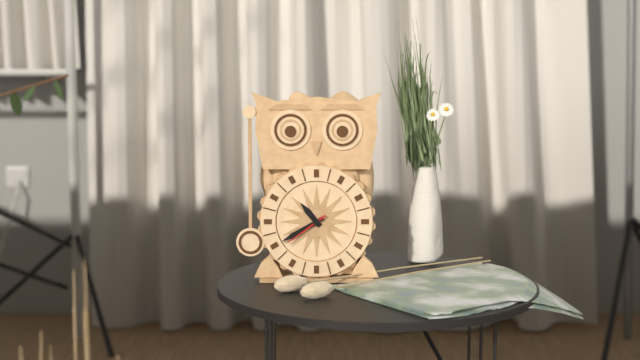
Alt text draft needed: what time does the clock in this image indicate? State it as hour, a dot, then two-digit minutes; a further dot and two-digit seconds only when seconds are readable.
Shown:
10.40
